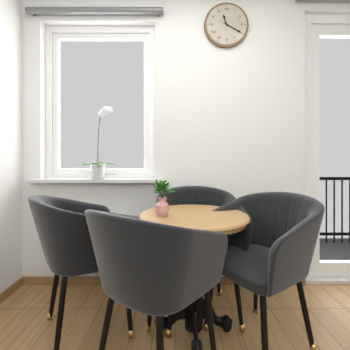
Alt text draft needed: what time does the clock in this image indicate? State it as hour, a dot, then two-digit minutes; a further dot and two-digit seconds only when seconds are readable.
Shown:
11.20
